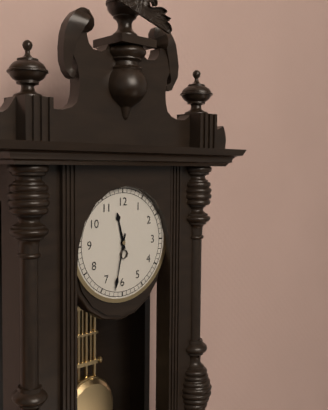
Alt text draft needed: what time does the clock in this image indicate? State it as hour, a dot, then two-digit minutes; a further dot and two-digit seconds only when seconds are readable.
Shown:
11.32
